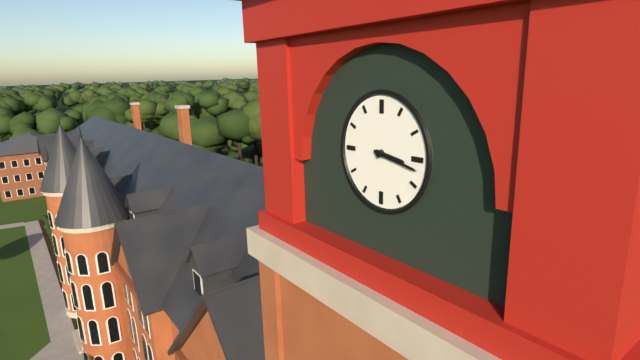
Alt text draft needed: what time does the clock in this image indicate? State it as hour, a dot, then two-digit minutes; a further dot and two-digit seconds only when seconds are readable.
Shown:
3.17
